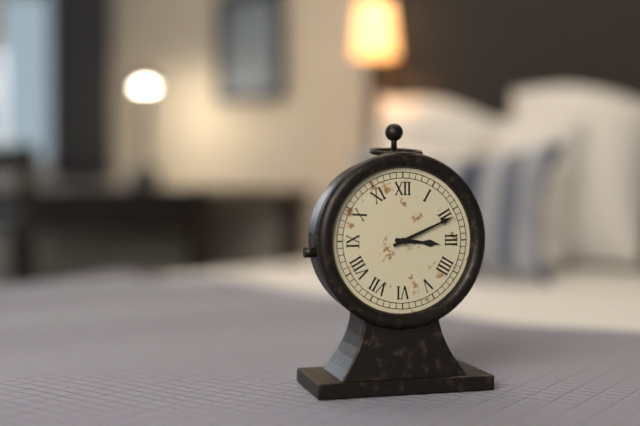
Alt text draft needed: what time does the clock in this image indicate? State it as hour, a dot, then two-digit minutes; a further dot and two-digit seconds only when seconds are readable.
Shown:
3.11
